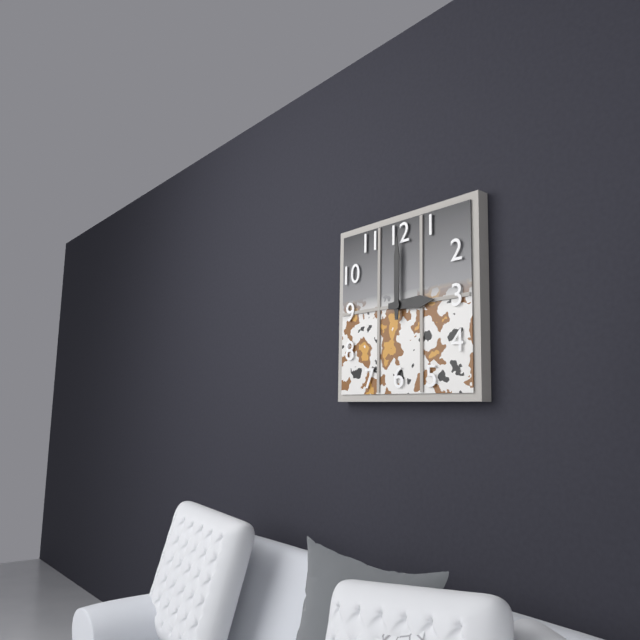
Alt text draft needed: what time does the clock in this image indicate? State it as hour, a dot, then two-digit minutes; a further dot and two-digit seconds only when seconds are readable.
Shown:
3.00
